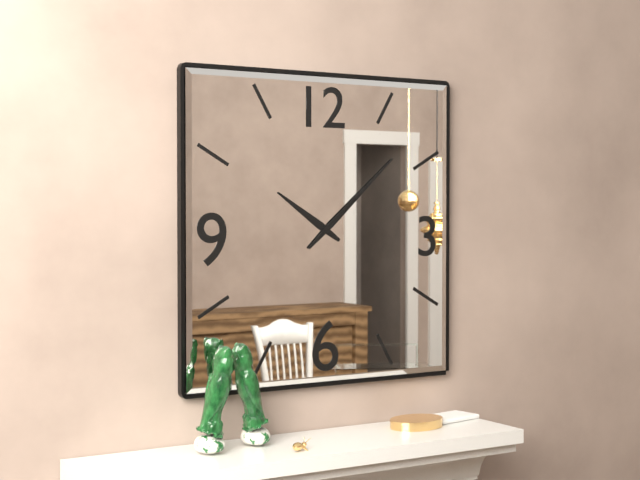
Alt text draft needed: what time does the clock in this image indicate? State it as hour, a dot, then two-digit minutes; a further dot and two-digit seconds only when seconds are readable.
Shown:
10.08
